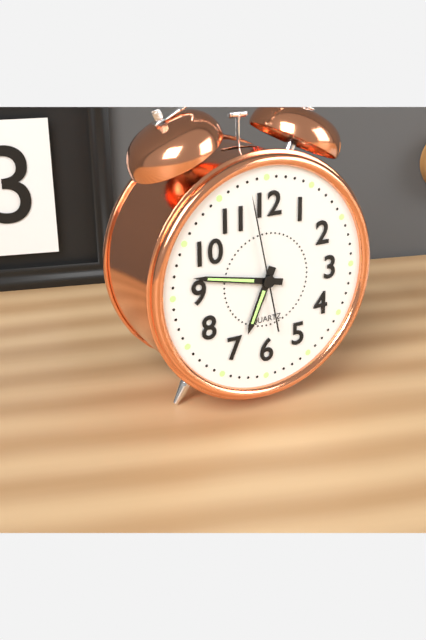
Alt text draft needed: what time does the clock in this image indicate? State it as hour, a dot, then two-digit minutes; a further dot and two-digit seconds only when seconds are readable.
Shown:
6.47.58
